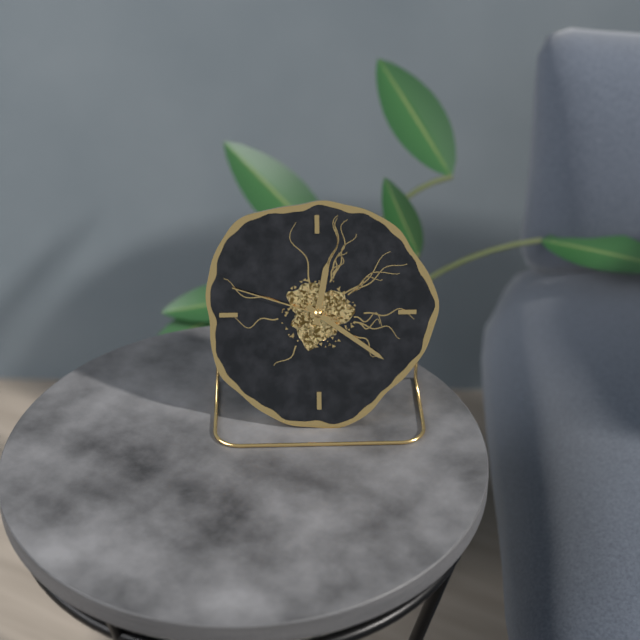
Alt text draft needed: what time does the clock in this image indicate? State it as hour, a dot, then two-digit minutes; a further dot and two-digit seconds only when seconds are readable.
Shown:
12.21.48
